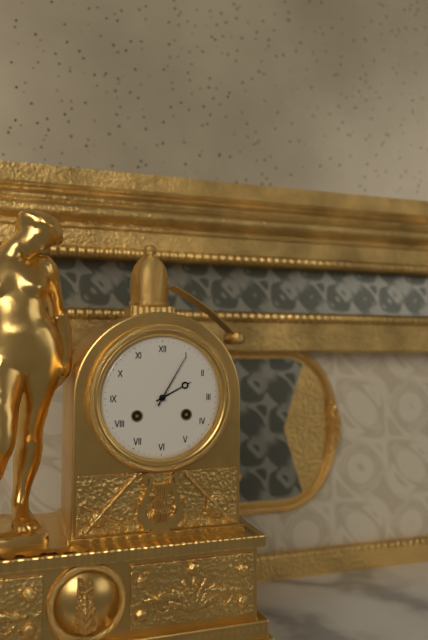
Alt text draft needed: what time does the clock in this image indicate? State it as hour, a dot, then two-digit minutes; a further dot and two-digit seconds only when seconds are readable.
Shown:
2.05
